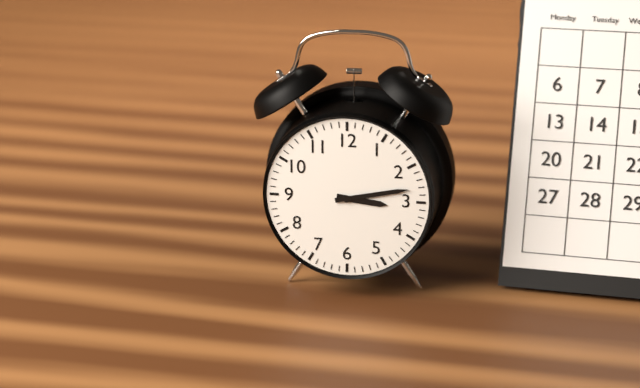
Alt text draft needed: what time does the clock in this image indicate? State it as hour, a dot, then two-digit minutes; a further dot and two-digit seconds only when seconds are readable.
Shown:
3.13
